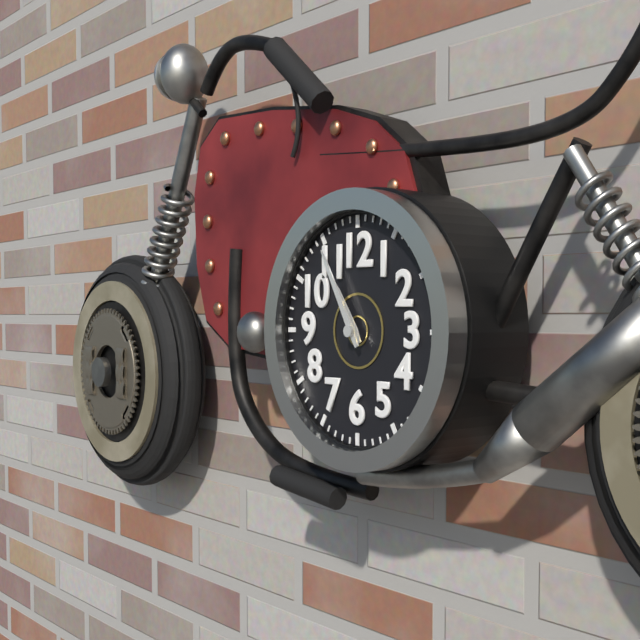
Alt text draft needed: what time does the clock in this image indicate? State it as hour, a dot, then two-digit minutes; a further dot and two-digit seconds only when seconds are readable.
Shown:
10.55
